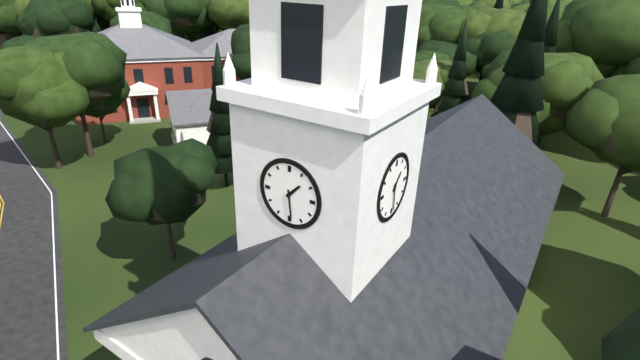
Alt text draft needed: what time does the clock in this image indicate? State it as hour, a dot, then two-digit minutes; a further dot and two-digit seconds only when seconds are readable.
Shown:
1.29
